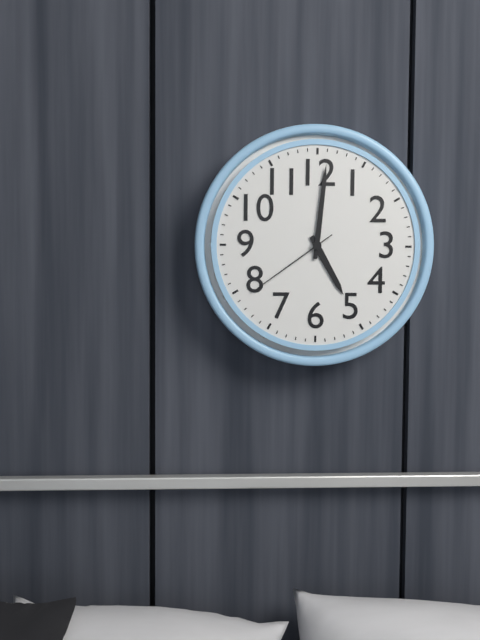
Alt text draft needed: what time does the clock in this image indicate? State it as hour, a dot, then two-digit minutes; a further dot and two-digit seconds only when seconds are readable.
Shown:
5.01.39
